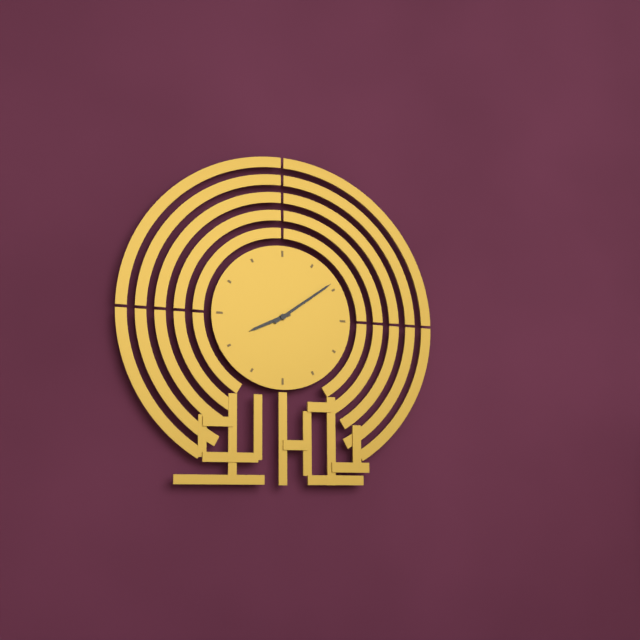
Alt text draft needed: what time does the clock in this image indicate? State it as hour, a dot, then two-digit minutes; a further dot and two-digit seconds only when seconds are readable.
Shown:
8.09
